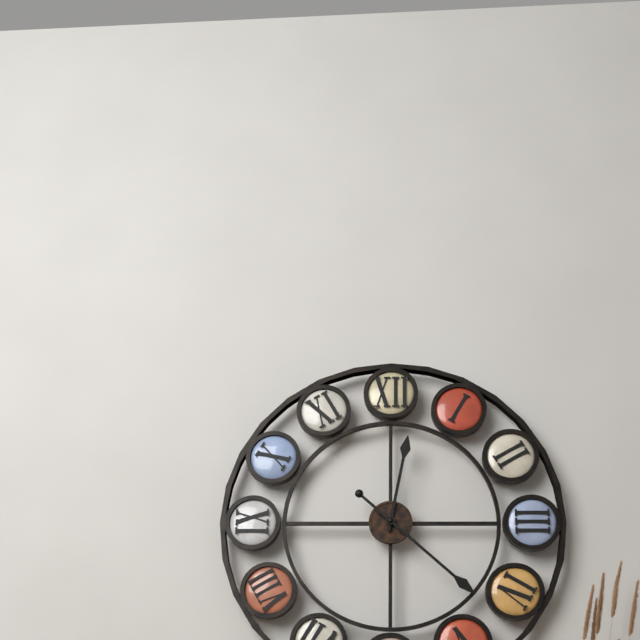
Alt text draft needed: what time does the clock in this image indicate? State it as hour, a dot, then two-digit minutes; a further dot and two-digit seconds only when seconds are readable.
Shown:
12.22
